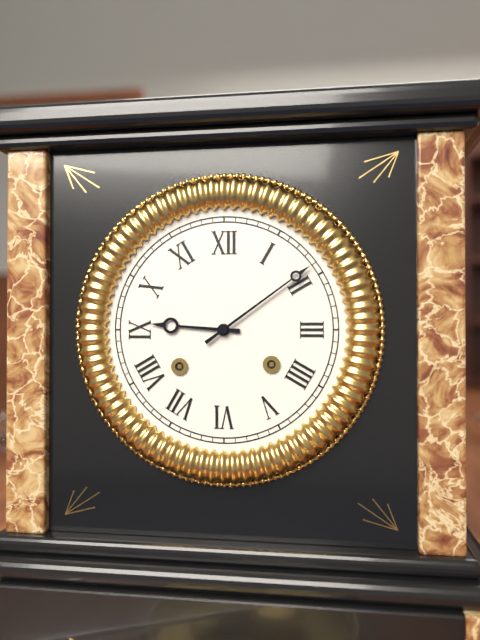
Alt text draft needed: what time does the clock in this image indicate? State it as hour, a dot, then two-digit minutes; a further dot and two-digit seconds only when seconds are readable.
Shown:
9.09
